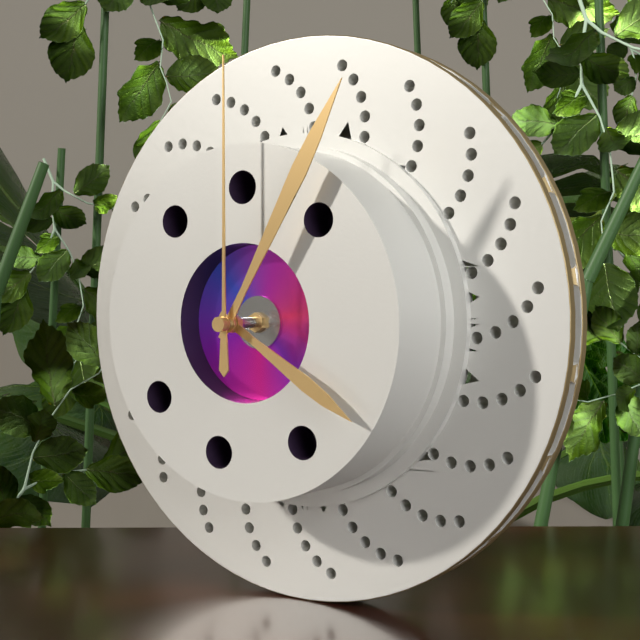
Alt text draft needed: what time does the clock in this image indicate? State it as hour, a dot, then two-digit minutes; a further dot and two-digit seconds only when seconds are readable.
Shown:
4.05.00
